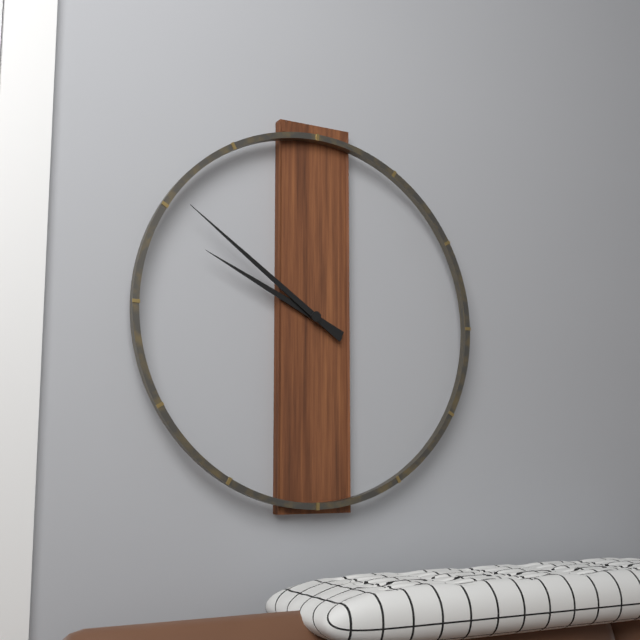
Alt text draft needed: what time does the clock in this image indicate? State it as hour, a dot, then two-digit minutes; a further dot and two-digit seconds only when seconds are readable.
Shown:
9.51
